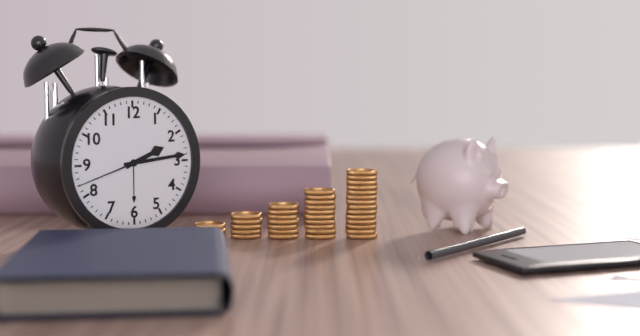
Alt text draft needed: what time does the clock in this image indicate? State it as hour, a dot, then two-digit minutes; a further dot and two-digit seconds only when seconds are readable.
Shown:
2.14.42
